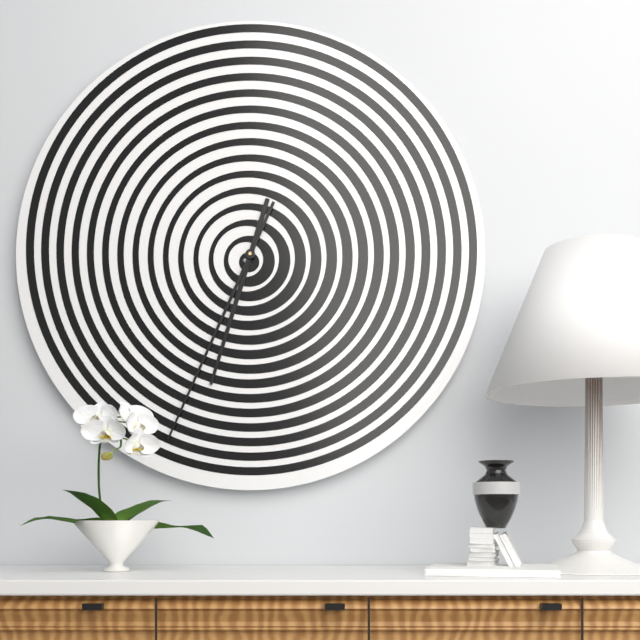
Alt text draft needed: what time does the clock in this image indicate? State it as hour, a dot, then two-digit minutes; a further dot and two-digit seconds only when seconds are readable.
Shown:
6.34
